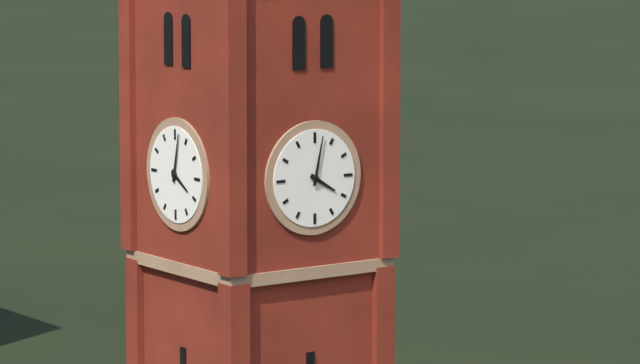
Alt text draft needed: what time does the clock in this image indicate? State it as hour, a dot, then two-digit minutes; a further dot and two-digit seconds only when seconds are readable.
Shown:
4.02
